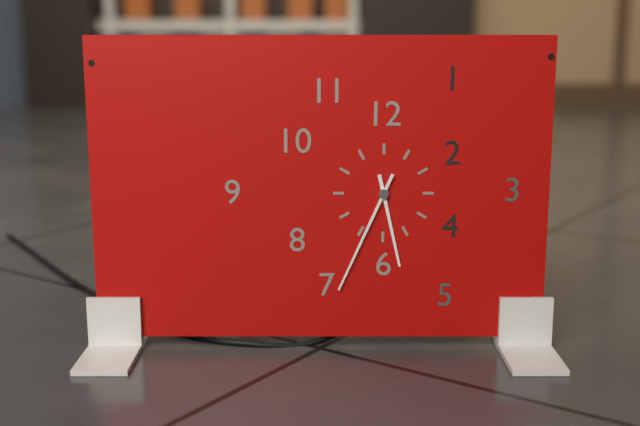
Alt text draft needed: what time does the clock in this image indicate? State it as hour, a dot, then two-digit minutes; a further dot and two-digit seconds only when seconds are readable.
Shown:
5.34
